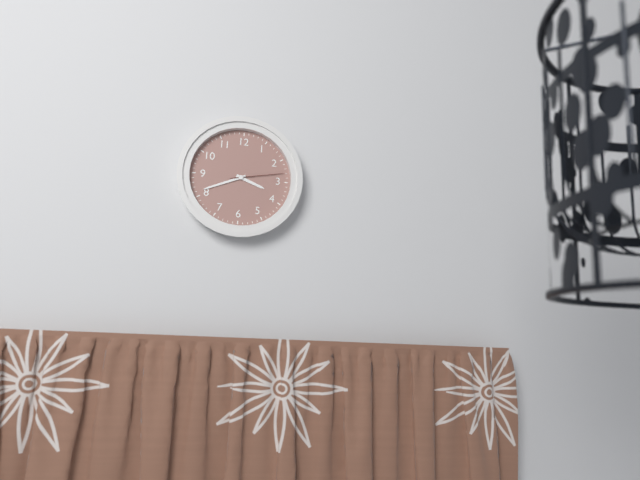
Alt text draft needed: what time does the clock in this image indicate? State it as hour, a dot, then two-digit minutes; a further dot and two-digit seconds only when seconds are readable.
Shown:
3.41.13
